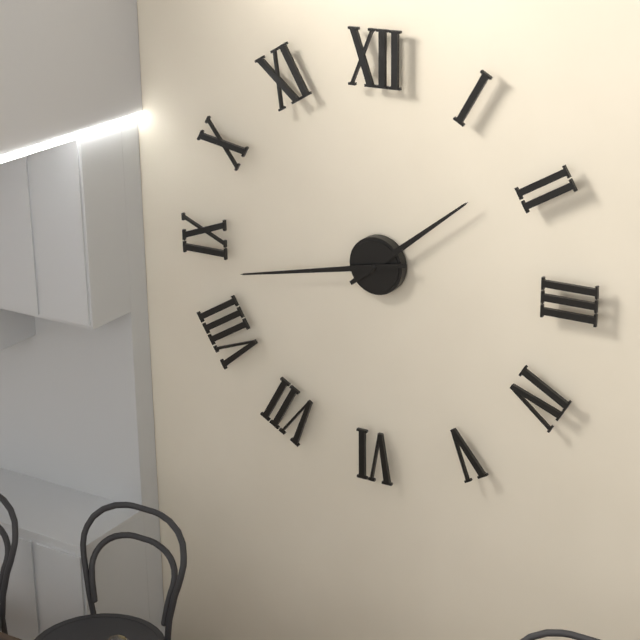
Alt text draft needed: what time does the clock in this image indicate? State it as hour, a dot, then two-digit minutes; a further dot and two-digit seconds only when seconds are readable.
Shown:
1.43
